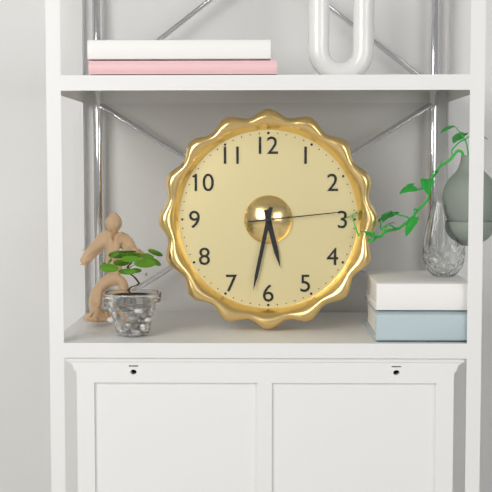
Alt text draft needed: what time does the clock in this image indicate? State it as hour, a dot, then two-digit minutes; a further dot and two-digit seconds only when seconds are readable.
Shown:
5.32.14
